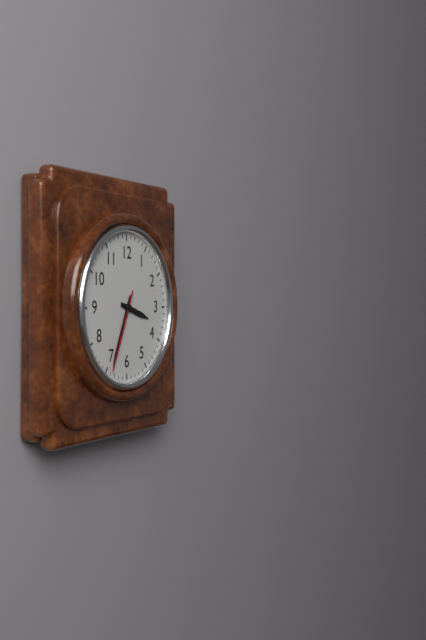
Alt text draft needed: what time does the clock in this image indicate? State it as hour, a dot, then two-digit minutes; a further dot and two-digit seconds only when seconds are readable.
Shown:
3.34.34
